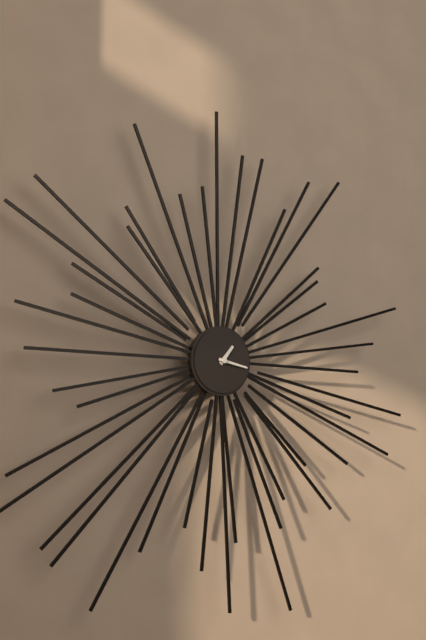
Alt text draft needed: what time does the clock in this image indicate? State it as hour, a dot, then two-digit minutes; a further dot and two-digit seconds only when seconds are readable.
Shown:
1.17
